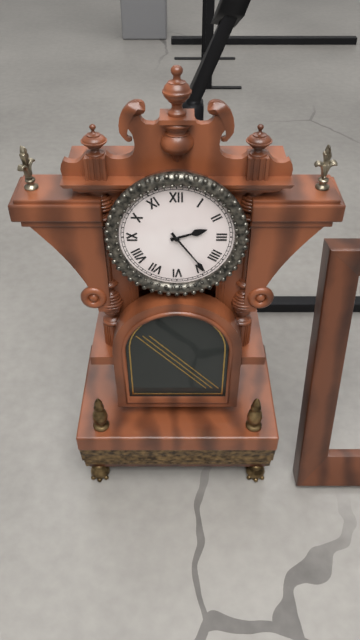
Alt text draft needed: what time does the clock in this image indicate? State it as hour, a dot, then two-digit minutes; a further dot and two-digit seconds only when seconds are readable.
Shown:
2.24
